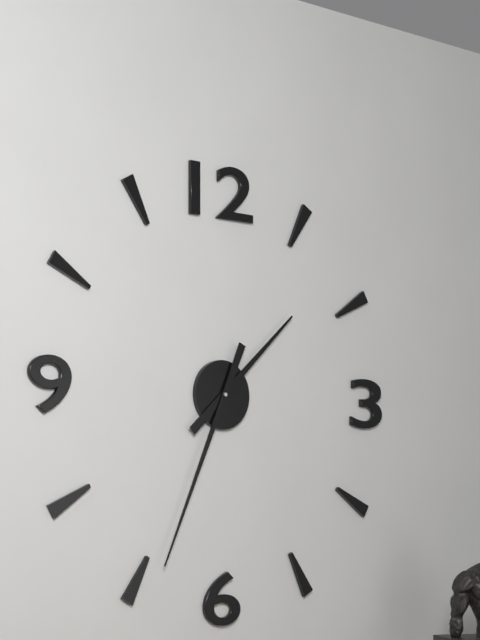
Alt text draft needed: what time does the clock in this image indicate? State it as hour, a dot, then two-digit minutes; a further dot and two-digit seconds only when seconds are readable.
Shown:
1.34
